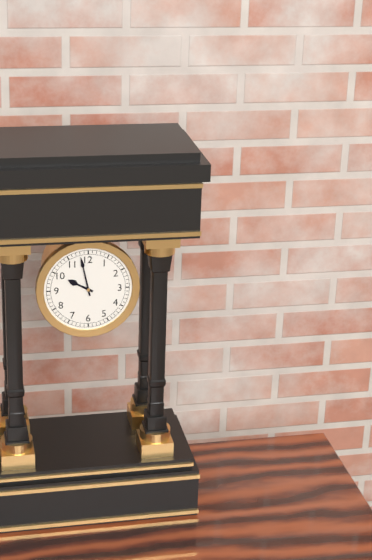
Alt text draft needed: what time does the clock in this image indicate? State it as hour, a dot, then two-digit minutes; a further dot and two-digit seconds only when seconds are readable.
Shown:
9.58
